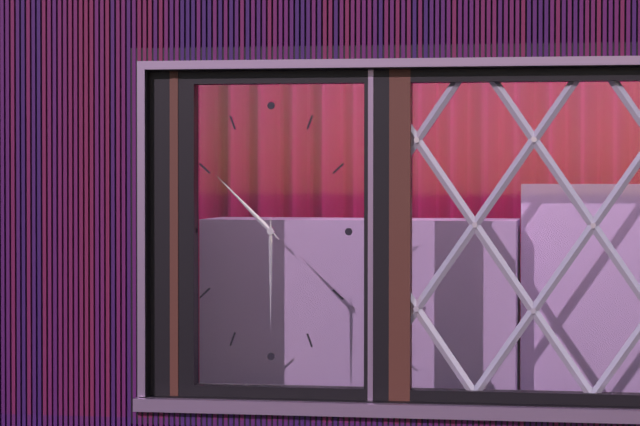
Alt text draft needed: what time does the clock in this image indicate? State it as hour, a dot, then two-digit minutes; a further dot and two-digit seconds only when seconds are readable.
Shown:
10.30
